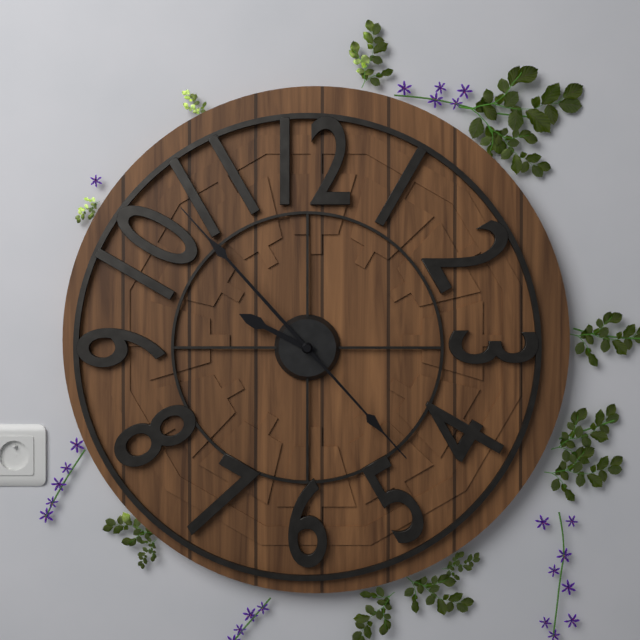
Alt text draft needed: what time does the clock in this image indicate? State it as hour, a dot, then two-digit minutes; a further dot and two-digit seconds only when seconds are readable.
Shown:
9.53.23
